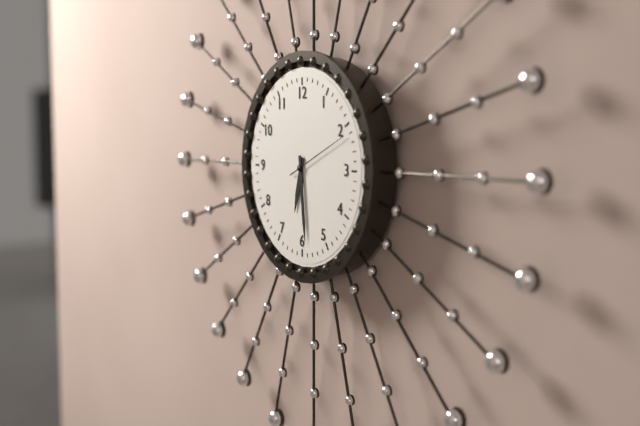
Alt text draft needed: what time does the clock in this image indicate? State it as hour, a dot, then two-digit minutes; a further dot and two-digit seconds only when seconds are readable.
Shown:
6.29.11
